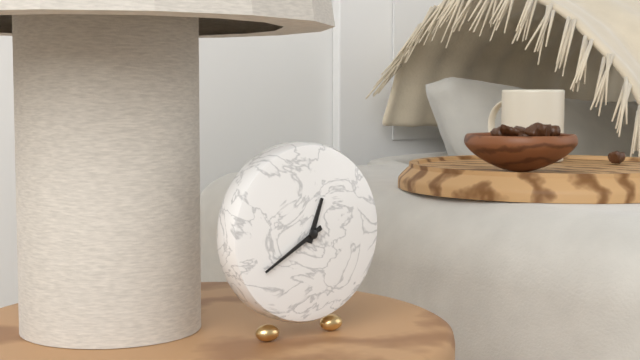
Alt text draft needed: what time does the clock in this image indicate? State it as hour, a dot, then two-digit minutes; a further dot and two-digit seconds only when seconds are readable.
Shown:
12.40
